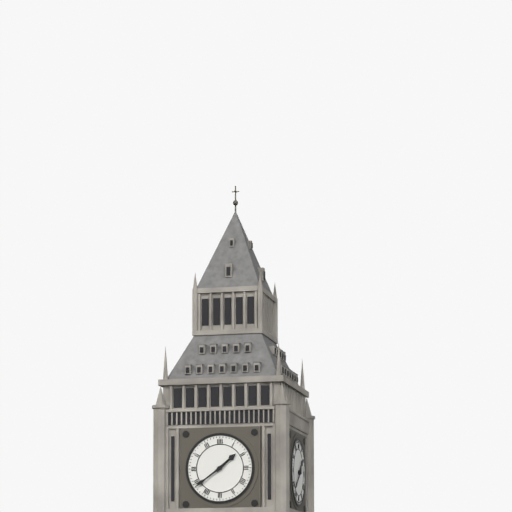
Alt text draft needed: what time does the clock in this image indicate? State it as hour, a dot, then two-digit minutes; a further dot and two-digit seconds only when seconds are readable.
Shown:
1.39
